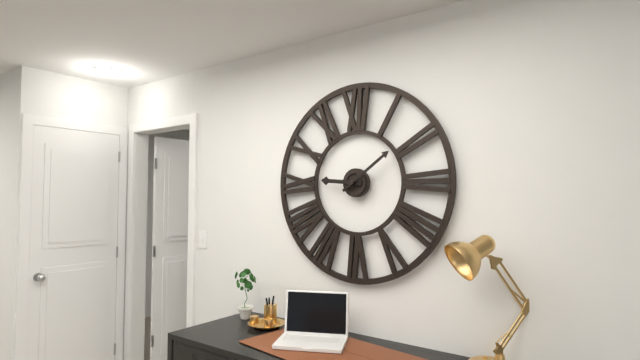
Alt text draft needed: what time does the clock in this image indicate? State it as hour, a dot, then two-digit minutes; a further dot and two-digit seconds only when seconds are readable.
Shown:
9.09
